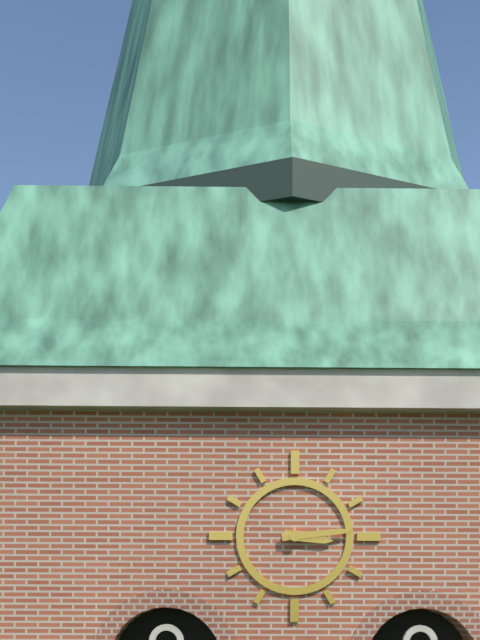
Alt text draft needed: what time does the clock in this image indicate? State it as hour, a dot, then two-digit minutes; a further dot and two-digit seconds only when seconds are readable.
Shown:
3.14
